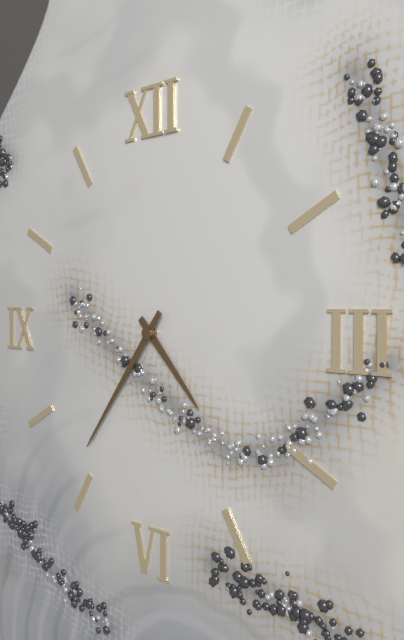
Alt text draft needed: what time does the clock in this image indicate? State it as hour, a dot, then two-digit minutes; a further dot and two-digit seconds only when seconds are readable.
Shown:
4.36
